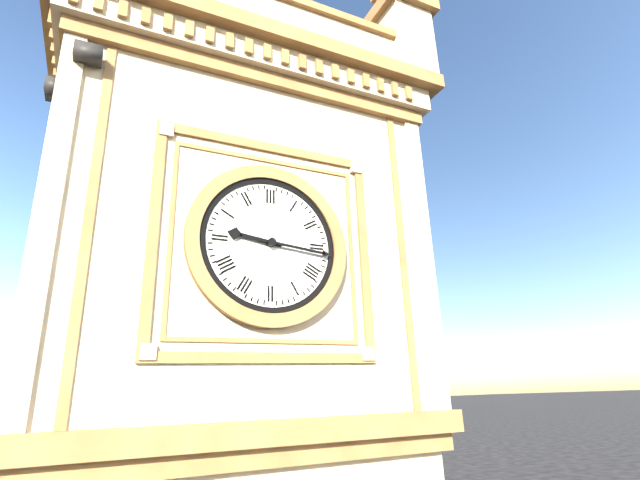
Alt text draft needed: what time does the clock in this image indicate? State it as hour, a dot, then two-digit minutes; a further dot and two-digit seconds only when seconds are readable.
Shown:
9.16
